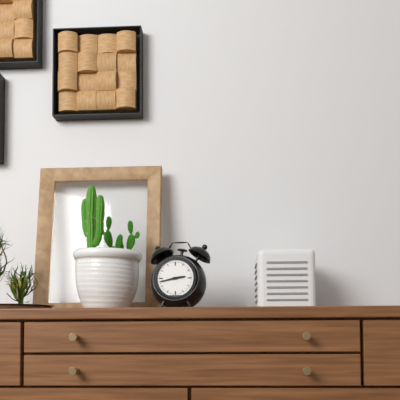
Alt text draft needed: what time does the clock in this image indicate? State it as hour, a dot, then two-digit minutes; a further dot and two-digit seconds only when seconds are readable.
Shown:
2.43
